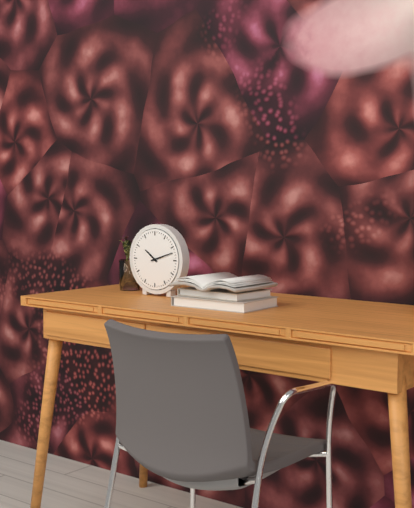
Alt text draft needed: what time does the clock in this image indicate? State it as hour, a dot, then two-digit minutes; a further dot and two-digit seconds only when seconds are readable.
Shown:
10.12
